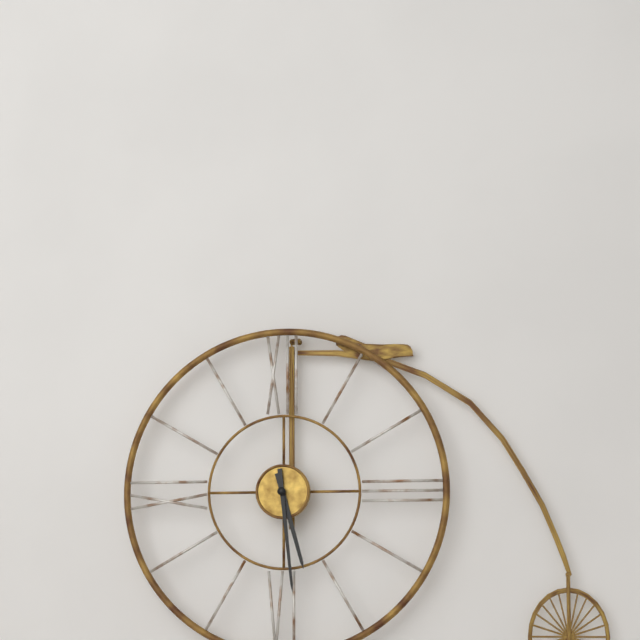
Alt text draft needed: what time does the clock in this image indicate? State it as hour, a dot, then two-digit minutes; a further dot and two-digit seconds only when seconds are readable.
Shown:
5.29
